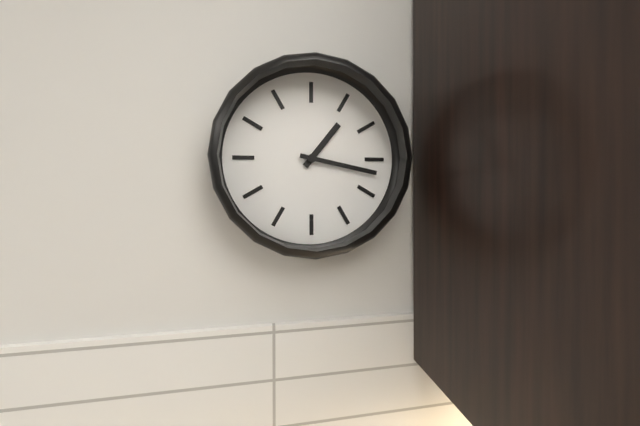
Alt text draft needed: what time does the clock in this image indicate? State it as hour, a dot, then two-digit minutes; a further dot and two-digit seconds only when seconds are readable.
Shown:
1.17
